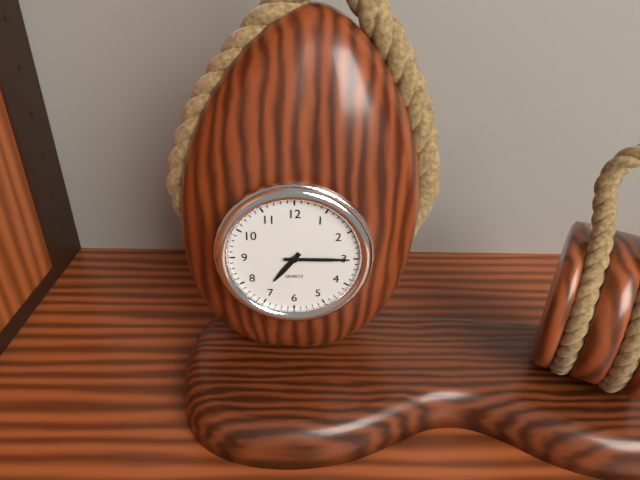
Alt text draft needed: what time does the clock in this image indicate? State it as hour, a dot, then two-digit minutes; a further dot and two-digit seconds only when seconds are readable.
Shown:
7.15
